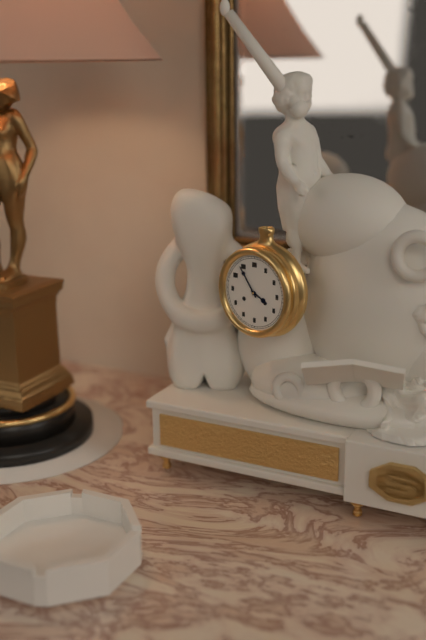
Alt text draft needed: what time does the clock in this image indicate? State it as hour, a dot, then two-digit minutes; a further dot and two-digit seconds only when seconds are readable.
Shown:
3.54
